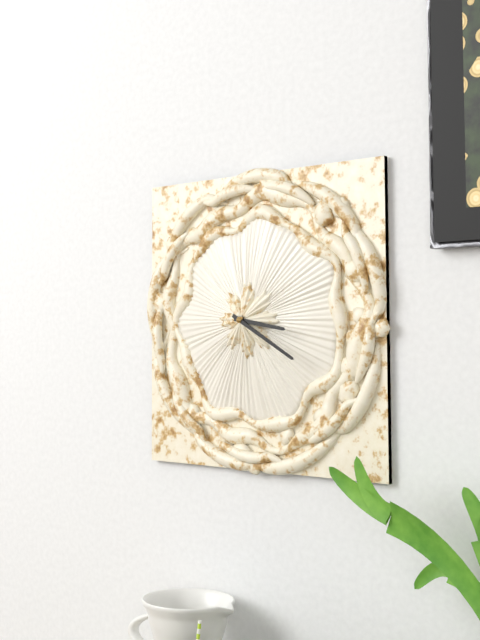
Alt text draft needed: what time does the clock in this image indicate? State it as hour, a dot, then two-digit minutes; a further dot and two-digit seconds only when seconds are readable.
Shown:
3.20
